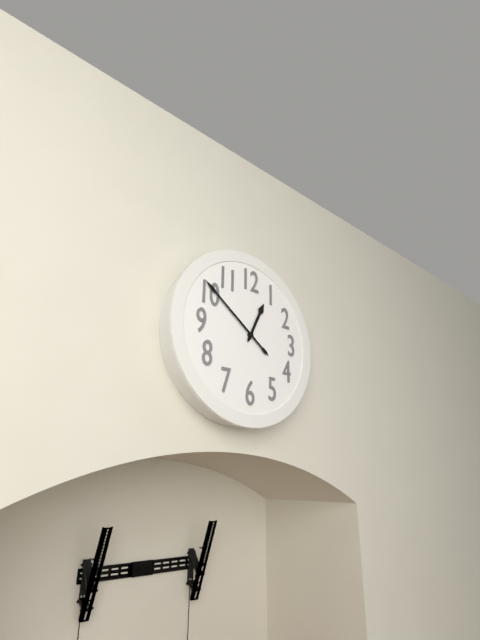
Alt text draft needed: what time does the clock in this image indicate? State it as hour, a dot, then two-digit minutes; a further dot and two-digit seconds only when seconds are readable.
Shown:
12.51
